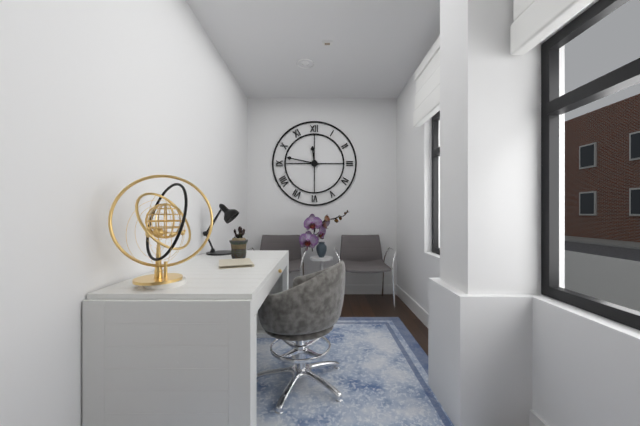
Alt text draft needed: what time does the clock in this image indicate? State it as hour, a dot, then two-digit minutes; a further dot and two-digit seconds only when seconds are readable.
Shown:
11.47
